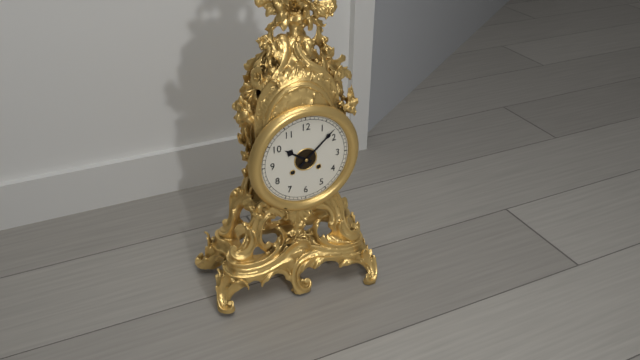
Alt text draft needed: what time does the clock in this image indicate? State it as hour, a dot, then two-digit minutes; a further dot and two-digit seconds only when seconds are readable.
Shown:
10.08
